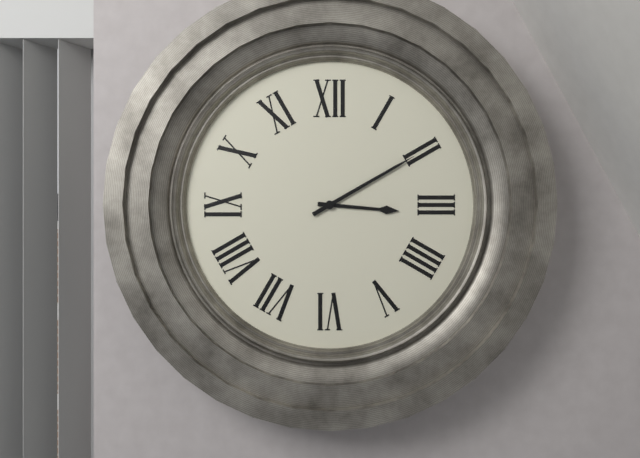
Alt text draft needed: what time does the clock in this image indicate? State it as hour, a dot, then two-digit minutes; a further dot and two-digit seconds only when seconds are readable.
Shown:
3.10
